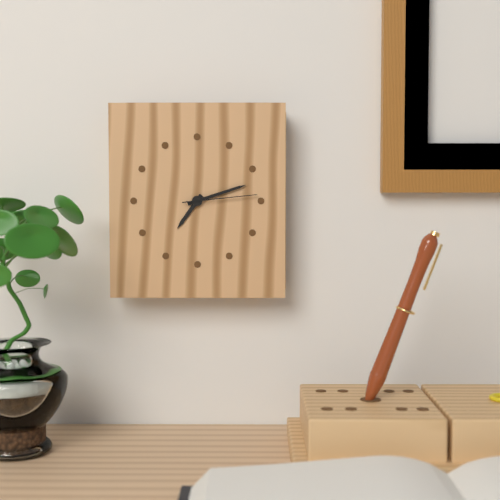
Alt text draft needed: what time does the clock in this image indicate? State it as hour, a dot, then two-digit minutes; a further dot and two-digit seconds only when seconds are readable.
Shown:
7.12.14
